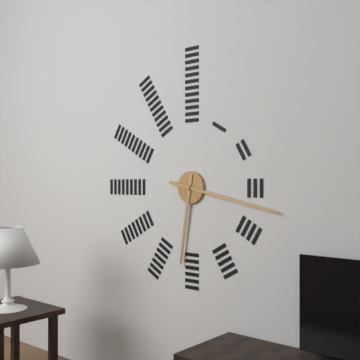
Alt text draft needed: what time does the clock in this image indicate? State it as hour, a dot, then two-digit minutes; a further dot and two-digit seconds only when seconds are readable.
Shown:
6.17
